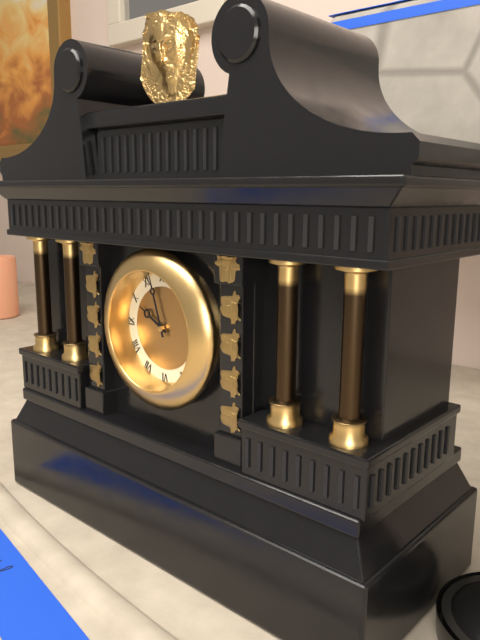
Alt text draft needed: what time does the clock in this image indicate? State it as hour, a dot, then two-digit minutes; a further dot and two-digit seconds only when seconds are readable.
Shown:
9.57
